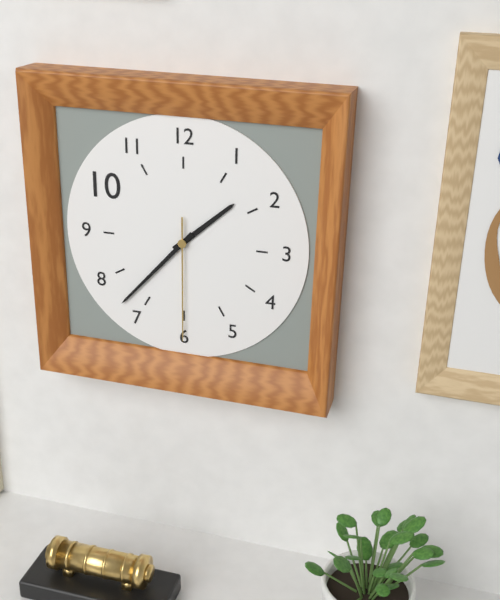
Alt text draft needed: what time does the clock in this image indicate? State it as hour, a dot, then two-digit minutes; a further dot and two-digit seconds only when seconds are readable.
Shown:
1.37.30
